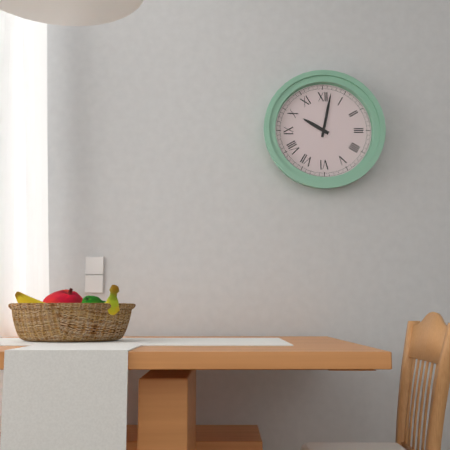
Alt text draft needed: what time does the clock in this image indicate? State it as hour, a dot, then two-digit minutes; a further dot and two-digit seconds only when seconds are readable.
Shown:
10.02
